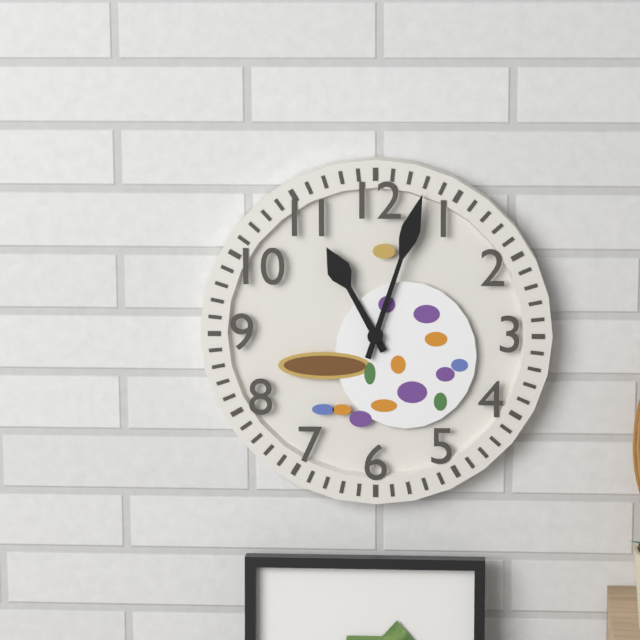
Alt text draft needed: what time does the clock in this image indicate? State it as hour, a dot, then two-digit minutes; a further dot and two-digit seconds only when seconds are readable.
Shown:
11.03
